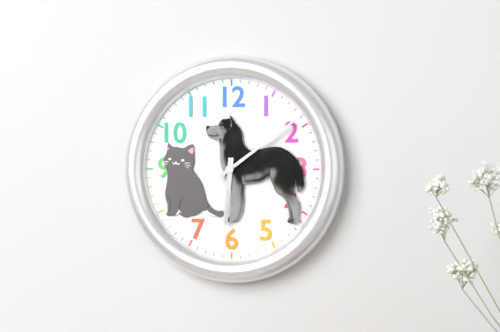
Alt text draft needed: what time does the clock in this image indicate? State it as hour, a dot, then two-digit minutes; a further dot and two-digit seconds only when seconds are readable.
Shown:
6.09
